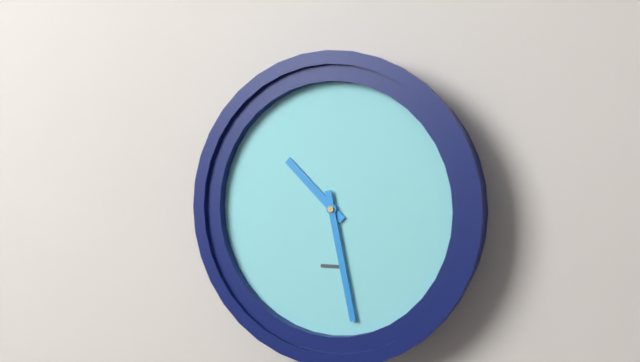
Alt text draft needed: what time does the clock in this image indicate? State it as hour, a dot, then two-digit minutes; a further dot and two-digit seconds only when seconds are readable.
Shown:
10.28
